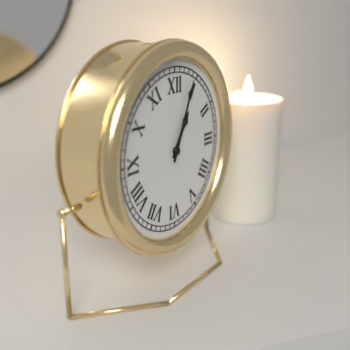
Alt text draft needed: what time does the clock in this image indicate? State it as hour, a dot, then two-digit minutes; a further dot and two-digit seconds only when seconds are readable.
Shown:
1.04
